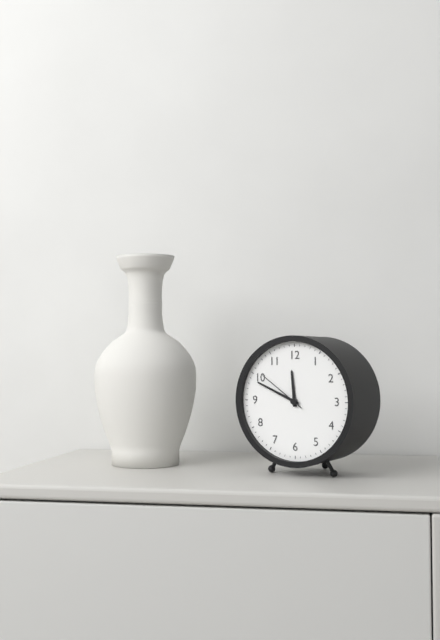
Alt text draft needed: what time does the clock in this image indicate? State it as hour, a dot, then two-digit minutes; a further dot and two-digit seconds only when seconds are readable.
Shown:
11.49.51
